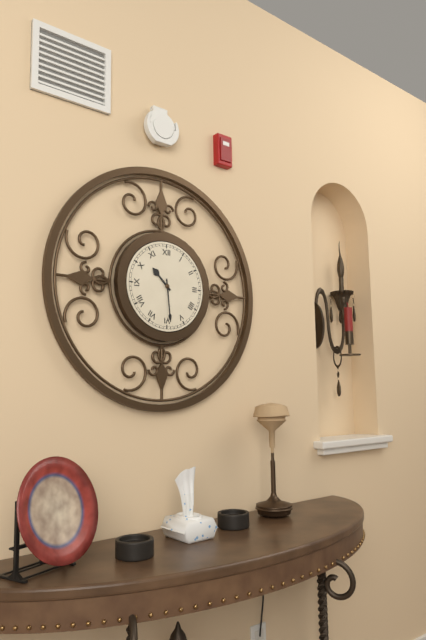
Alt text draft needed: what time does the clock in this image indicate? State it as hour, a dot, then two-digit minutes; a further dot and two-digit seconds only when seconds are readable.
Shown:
10.29
